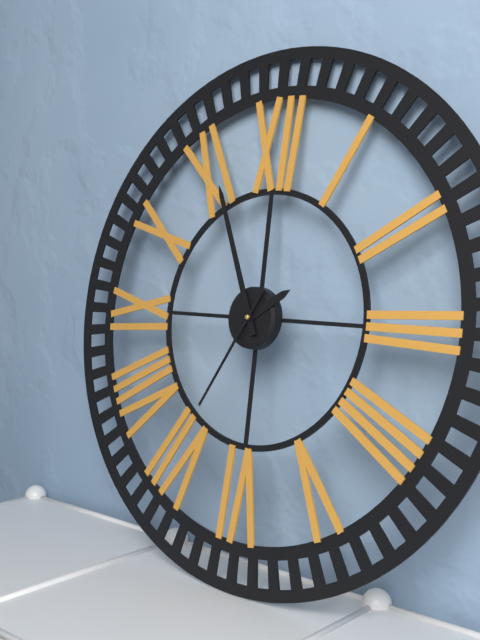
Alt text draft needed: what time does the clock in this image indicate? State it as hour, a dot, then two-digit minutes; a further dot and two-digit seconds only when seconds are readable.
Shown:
1.56.35
